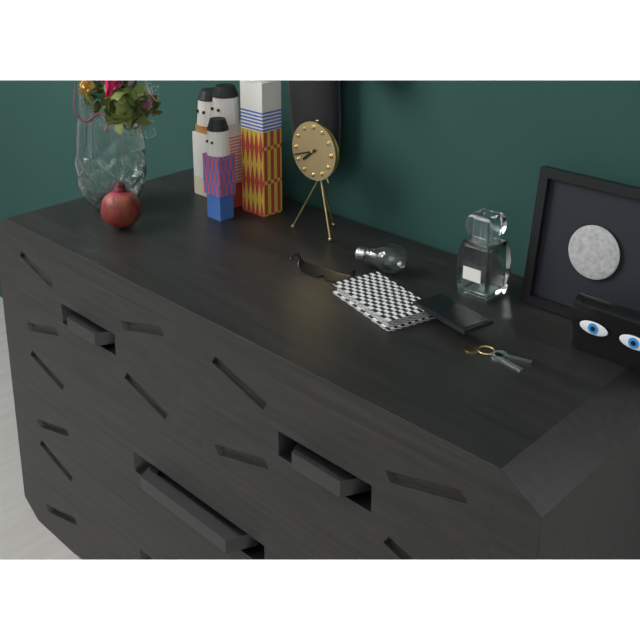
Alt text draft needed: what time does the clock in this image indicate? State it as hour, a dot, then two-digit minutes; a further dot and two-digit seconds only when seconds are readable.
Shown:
7.42
